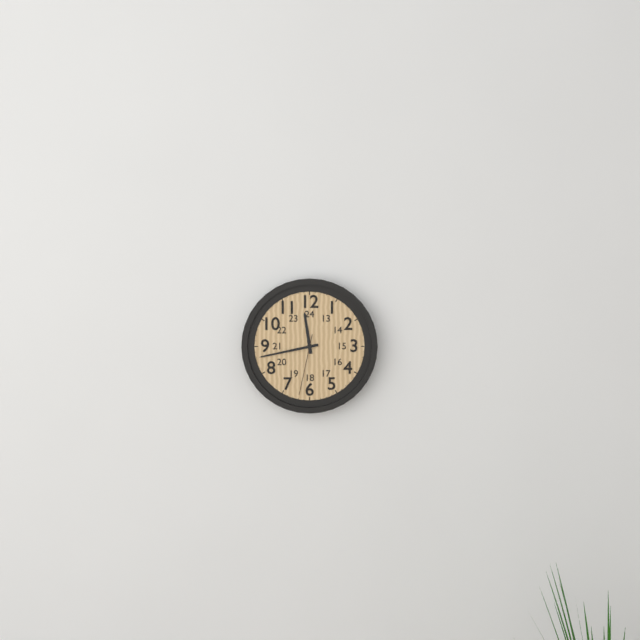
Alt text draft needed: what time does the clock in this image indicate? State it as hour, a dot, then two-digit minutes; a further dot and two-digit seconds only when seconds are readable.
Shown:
11.43.32
